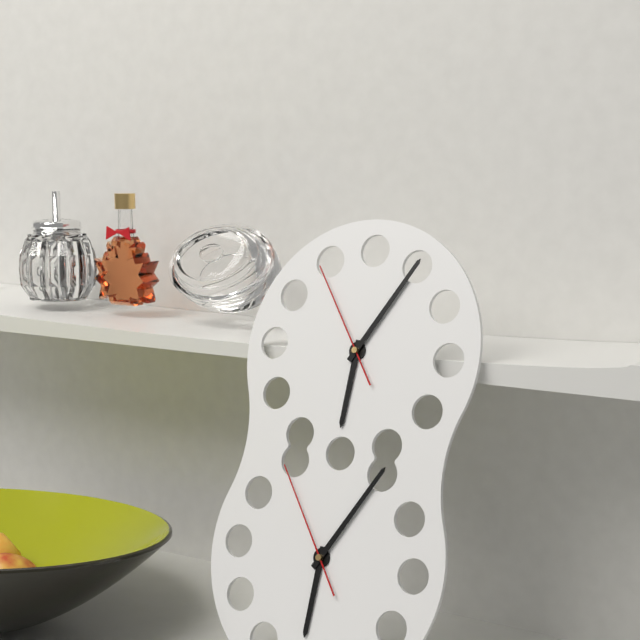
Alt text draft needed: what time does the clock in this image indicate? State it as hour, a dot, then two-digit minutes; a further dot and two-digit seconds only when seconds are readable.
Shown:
6.05.54
